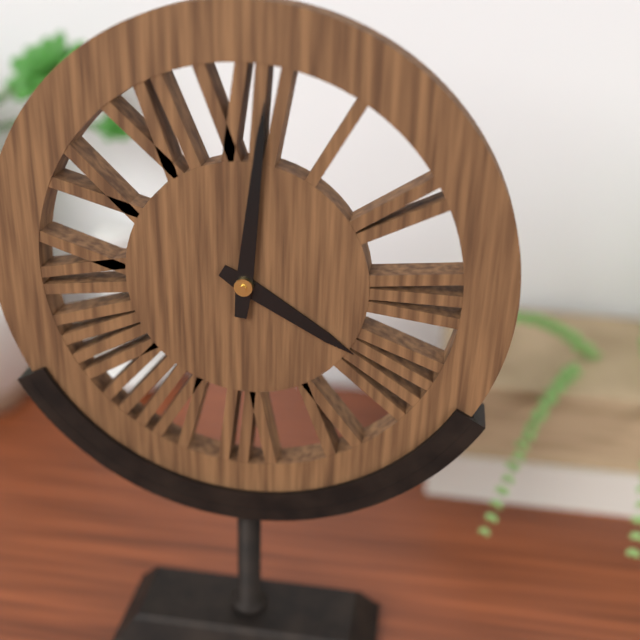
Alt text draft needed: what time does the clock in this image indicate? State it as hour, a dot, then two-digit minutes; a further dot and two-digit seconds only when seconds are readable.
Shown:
4.01
